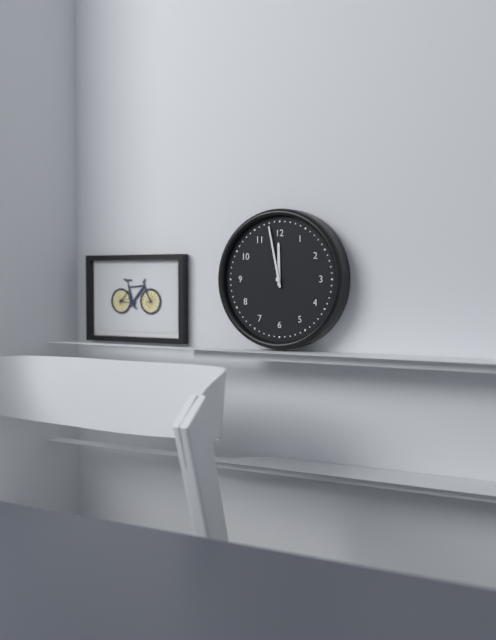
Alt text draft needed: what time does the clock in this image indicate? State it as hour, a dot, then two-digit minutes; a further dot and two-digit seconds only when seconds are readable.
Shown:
11.58
